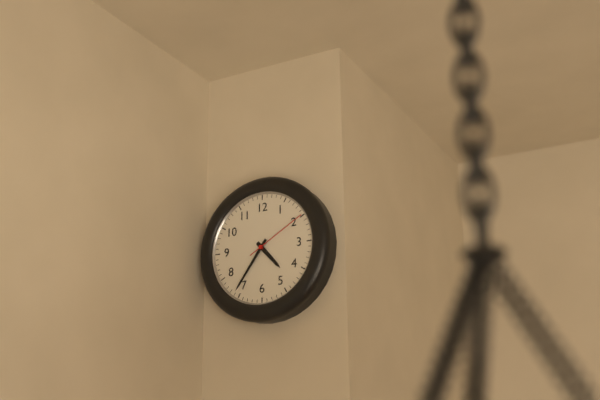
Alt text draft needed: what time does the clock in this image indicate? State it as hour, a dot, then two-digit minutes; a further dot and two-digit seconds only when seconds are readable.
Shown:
4.36.10
